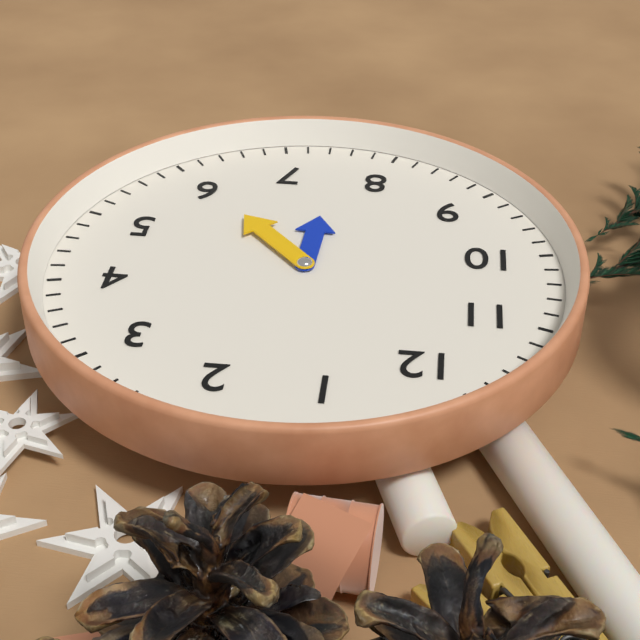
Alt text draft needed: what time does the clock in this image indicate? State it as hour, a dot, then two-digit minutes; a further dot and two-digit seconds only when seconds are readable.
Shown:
7.30
